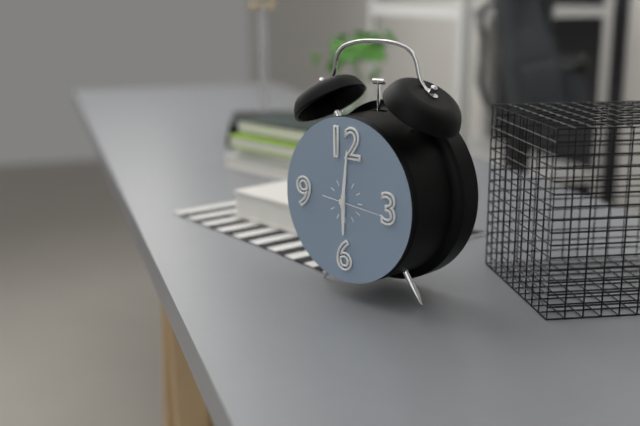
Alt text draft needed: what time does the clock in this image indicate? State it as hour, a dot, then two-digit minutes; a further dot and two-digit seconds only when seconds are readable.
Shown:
6.01.16
